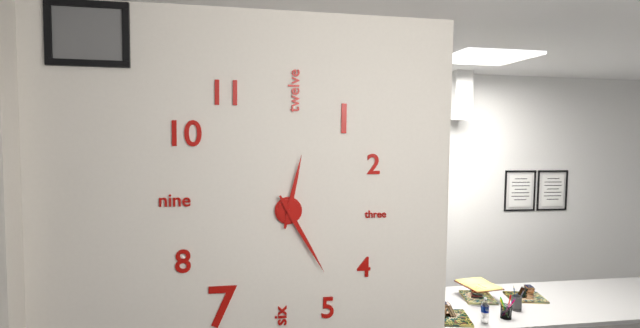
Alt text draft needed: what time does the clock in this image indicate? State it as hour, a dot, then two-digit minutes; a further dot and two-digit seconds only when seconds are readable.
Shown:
12.25
